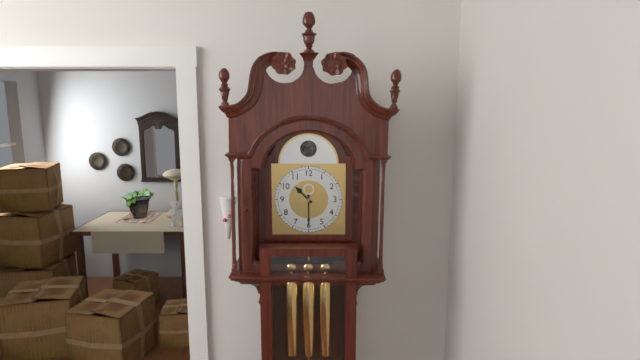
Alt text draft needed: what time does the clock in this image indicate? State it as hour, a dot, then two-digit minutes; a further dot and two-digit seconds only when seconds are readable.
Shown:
10.30
